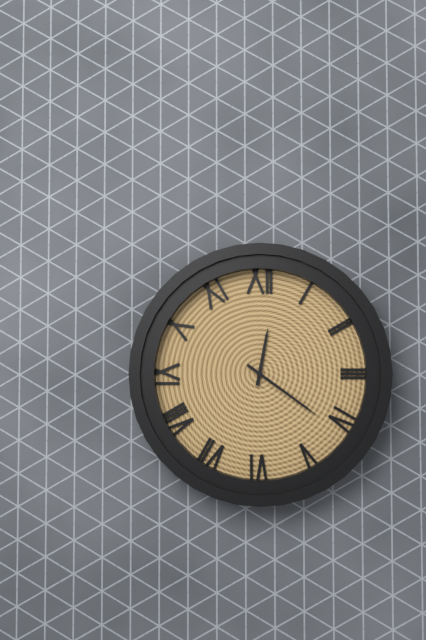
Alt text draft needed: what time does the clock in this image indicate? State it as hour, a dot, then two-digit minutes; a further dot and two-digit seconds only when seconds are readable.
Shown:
12.21
